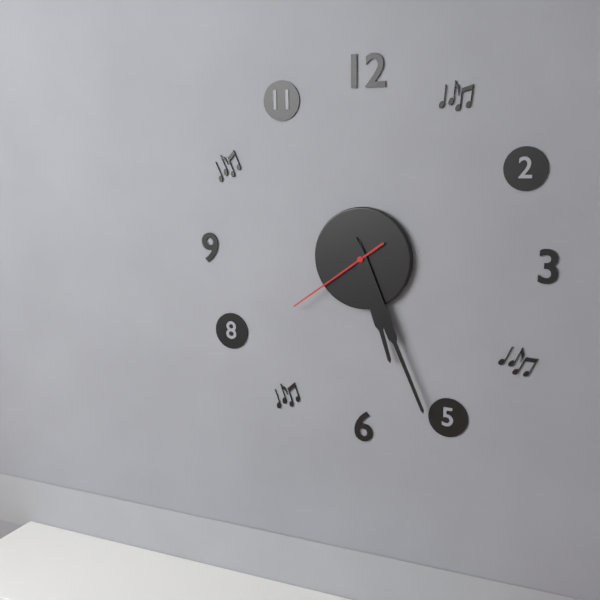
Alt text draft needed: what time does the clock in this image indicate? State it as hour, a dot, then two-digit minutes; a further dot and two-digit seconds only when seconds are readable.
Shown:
5.26.39
